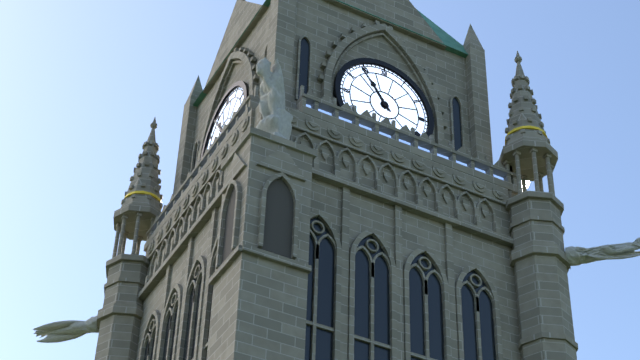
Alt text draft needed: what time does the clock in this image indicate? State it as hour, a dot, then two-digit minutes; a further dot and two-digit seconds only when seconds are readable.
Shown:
10.54
